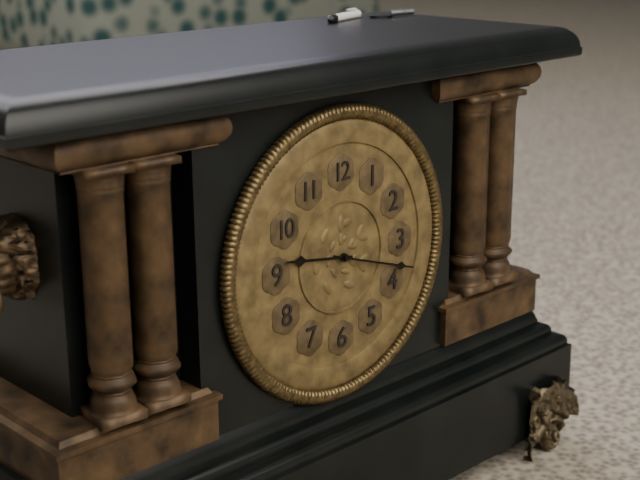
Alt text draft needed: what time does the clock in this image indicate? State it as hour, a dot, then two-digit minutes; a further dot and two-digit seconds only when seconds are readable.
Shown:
9.18
